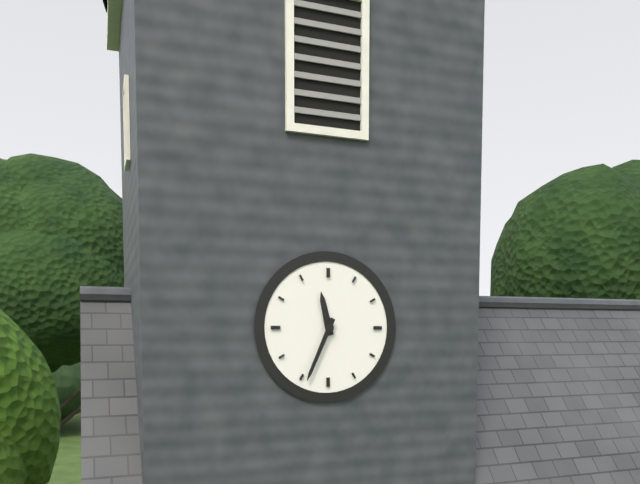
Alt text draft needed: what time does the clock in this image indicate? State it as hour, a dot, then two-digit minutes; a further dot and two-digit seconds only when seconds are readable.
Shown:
11.34
